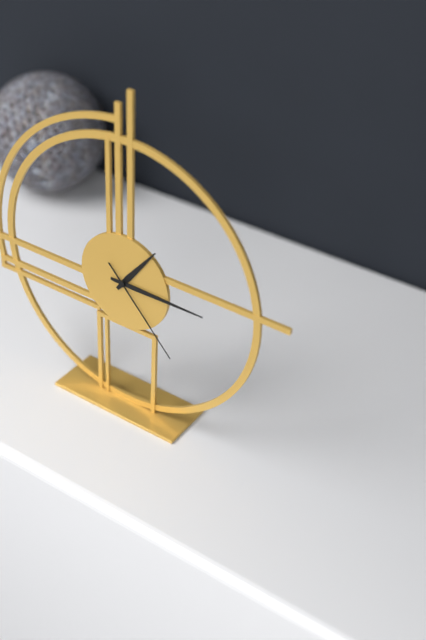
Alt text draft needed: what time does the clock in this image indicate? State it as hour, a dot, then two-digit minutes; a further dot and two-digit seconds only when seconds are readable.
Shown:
1.15.23
